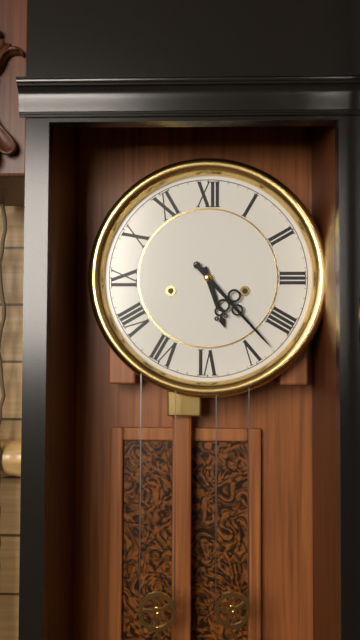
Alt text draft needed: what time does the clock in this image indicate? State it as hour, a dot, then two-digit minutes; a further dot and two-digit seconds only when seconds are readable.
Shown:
5.23
